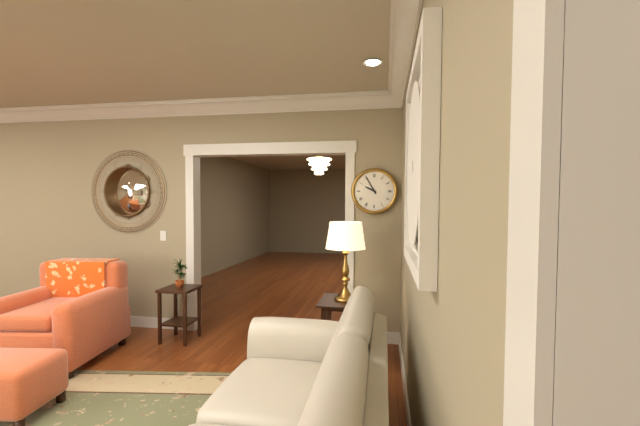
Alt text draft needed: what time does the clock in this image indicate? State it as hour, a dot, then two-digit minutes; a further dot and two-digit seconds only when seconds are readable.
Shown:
9.55
